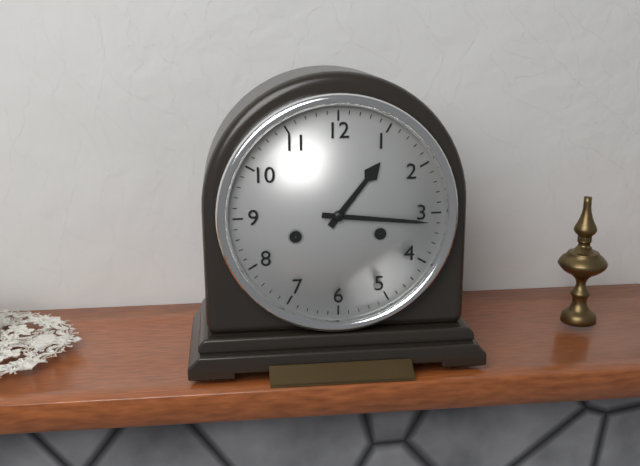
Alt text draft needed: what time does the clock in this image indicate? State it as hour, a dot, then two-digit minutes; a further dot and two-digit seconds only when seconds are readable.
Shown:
1.16
